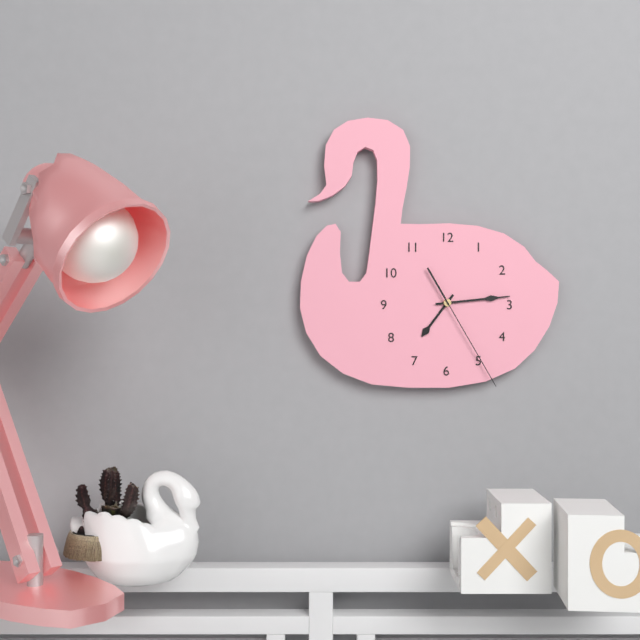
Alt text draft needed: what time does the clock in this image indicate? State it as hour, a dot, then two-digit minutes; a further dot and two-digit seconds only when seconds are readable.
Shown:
7.14.25
